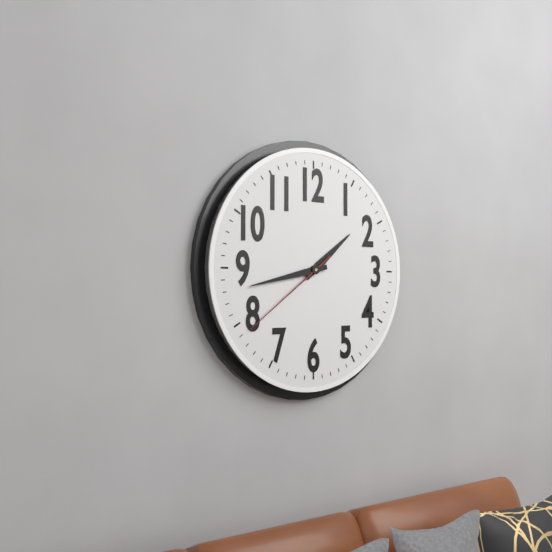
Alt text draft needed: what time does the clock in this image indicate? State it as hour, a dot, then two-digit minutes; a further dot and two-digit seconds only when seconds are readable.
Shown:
1.43.39
